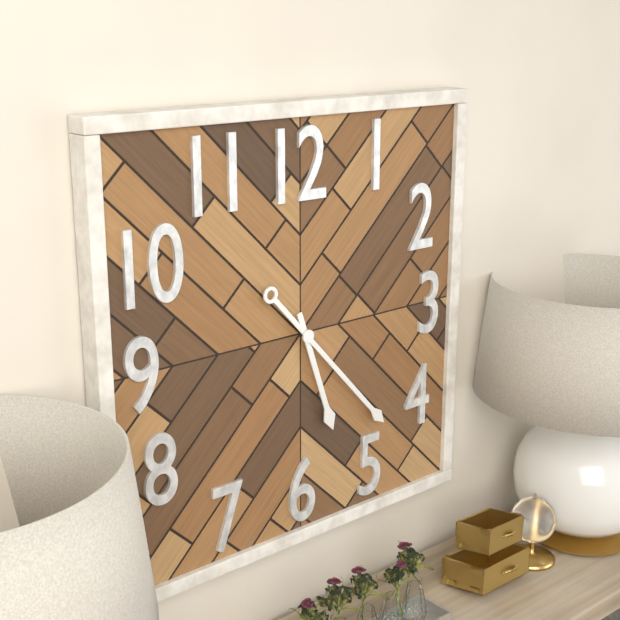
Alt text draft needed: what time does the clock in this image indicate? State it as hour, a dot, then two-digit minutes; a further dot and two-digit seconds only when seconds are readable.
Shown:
5.23
